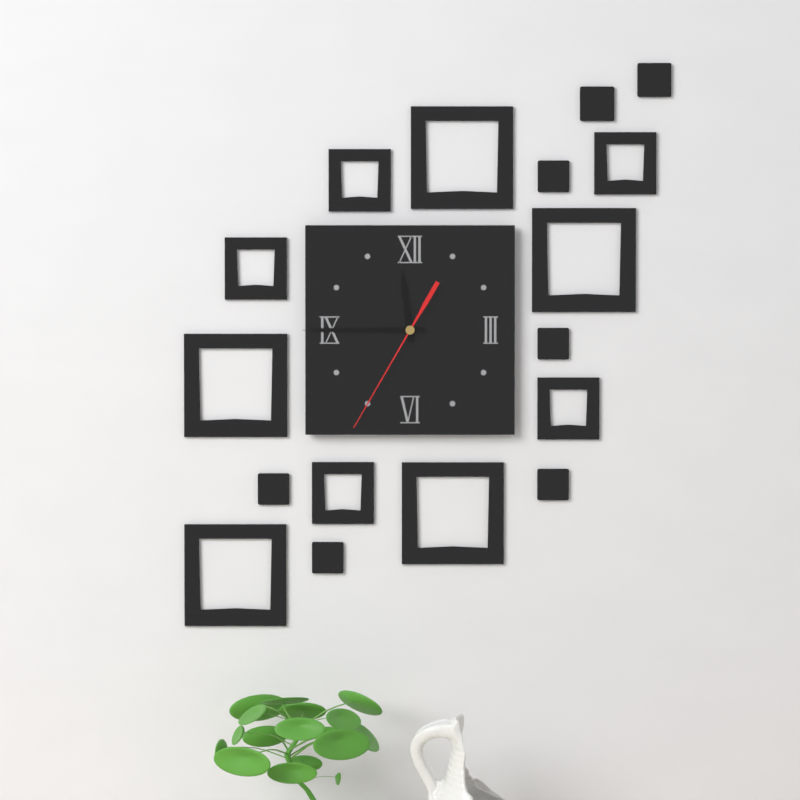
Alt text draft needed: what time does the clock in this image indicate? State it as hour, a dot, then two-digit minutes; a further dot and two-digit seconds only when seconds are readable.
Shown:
11.45.35
